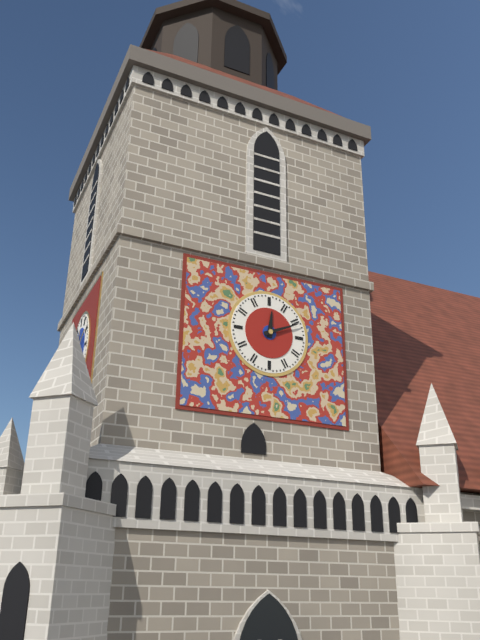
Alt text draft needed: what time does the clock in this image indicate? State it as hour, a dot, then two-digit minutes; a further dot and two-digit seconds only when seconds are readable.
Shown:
12.11
